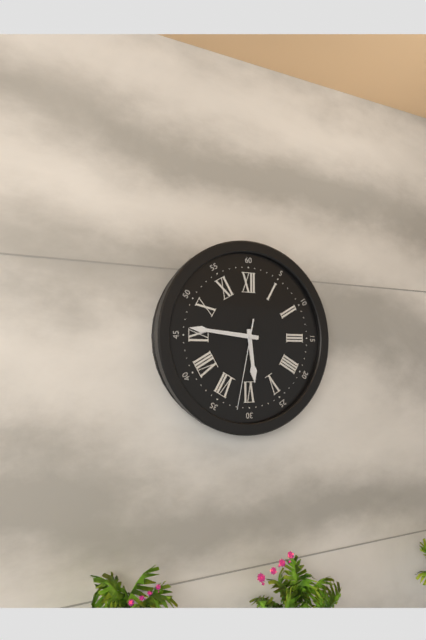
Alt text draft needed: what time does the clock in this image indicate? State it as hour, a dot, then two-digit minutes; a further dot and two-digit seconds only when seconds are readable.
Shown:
5.46.32
